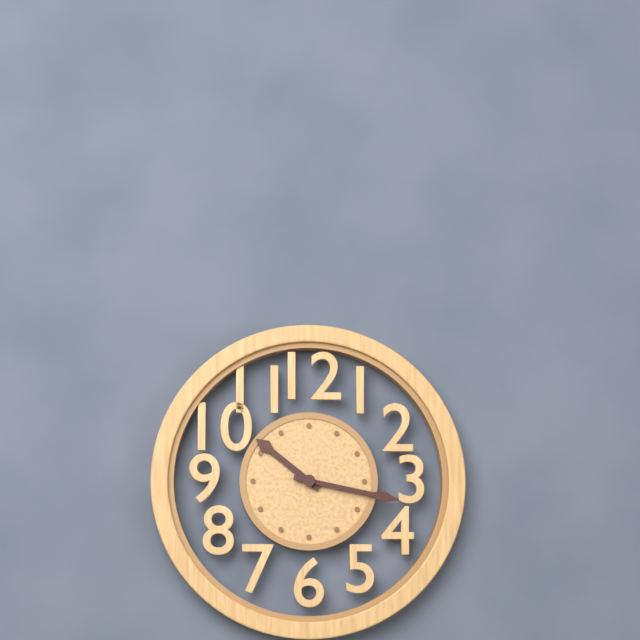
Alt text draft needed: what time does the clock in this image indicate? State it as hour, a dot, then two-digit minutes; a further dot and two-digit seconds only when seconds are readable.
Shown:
10.17
